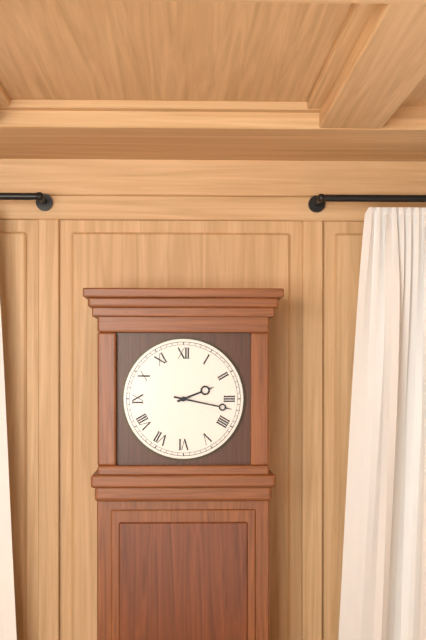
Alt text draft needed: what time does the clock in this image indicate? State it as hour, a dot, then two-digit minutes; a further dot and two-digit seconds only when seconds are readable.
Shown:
2.17
